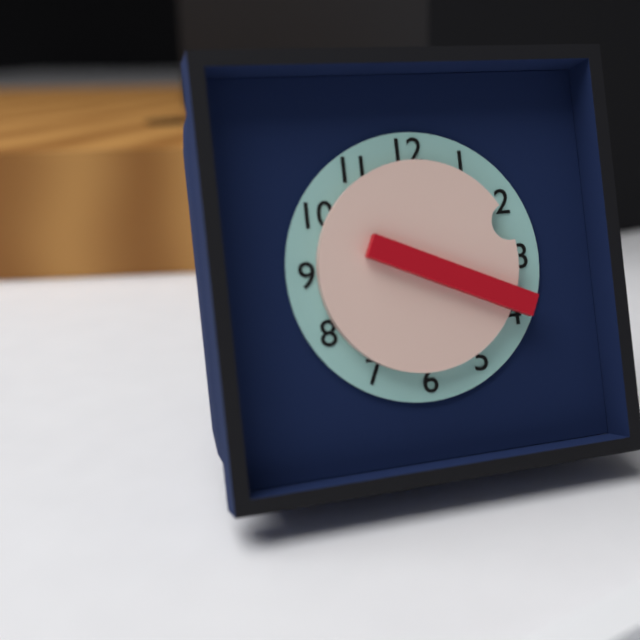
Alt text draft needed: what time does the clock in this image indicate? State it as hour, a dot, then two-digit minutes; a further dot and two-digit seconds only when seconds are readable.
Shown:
2.19
